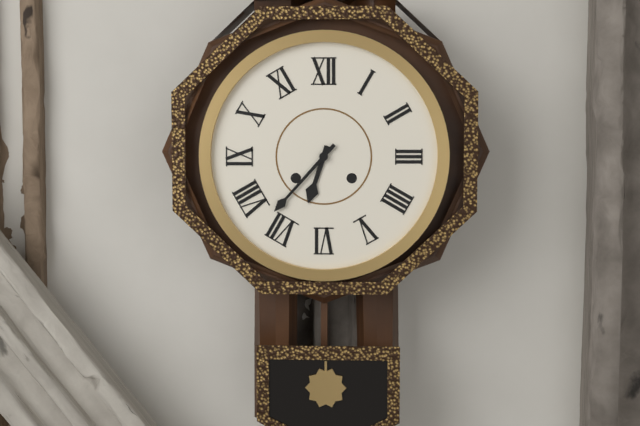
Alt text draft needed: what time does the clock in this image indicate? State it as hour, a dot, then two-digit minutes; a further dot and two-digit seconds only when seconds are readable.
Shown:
6.37
